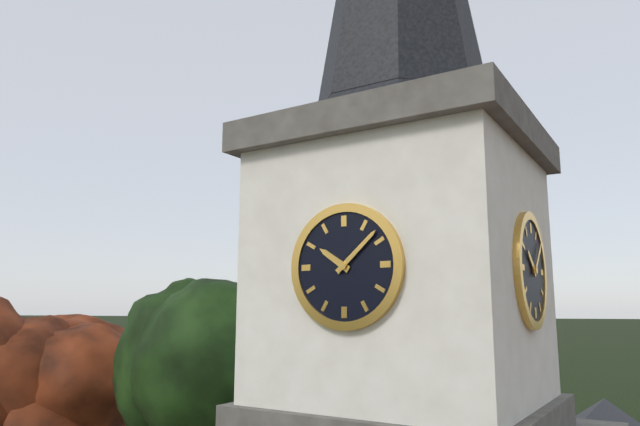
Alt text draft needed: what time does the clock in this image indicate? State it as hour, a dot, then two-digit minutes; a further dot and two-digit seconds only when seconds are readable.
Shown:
10.08
